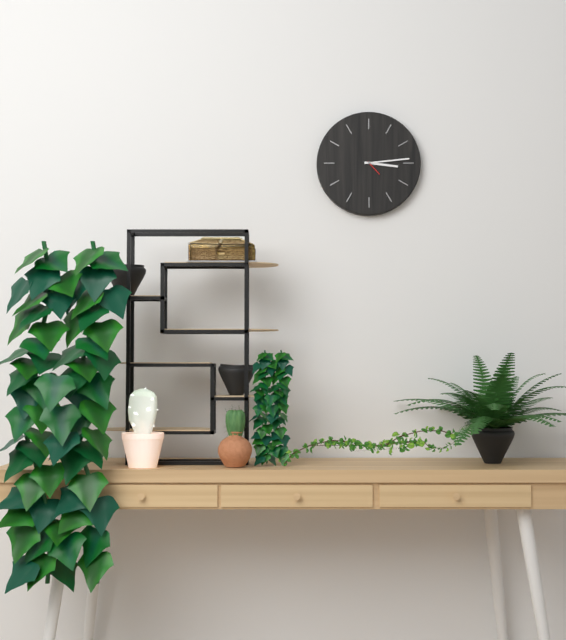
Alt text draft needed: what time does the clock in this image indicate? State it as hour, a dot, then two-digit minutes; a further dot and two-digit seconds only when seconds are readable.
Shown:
3.14
